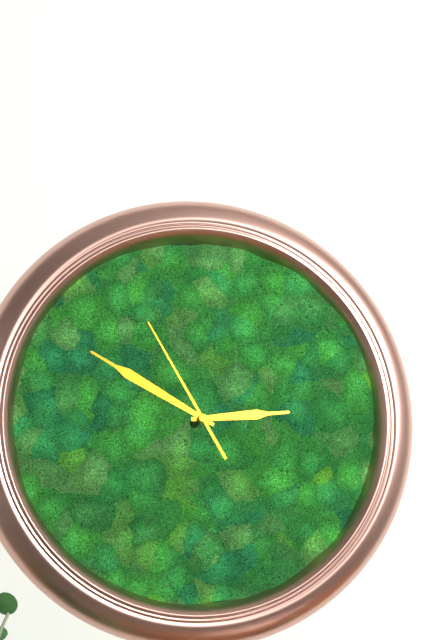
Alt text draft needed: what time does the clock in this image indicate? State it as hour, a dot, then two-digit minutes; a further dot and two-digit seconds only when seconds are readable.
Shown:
2.50.55
